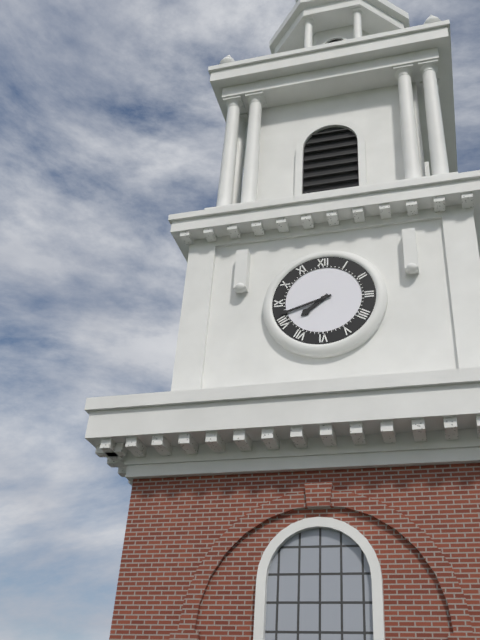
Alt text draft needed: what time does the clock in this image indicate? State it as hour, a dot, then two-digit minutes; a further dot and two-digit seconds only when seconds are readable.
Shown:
7.42
